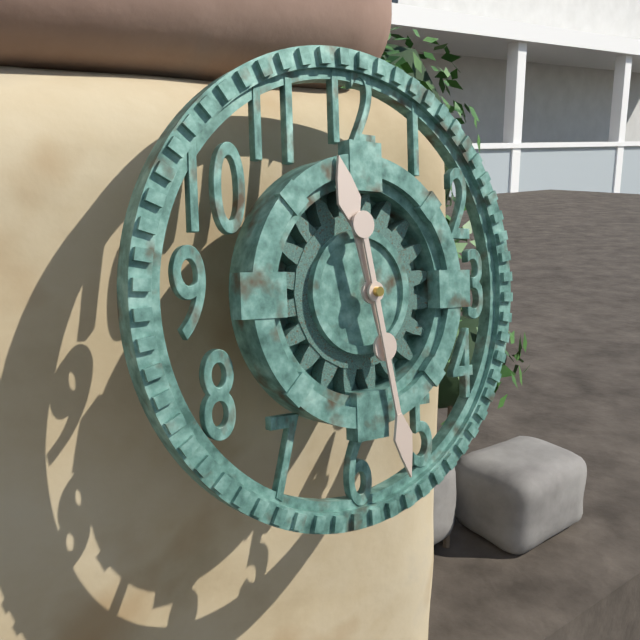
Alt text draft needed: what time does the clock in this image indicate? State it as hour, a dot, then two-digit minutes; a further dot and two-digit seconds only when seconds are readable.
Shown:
11.28
